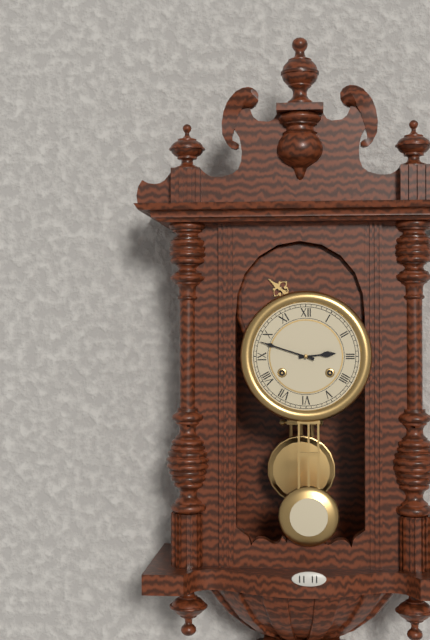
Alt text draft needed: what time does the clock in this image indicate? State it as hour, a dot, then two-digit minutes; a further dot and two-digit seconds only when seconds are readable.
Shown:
2.48
